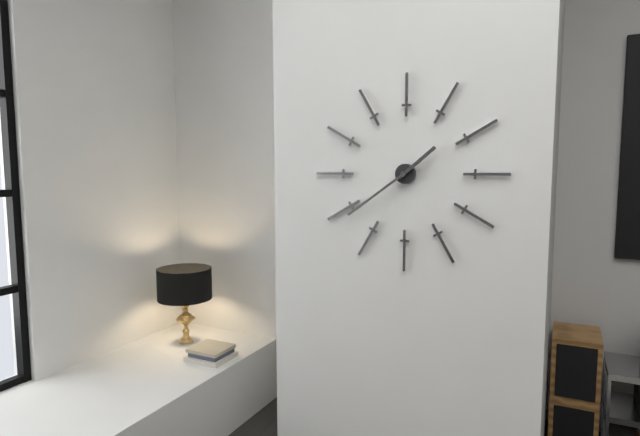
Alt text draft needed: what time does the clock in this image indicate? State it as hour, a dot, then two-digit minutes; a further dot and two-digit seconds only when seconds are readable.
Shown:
1.39
